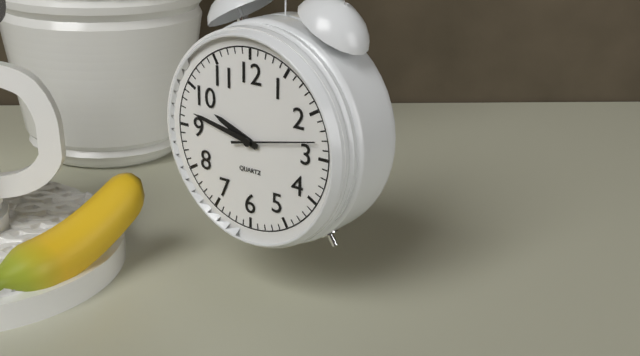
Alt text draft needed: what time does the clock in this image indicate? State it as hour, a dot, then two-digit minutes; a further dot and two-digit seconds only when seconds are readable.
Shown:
9.47.13
